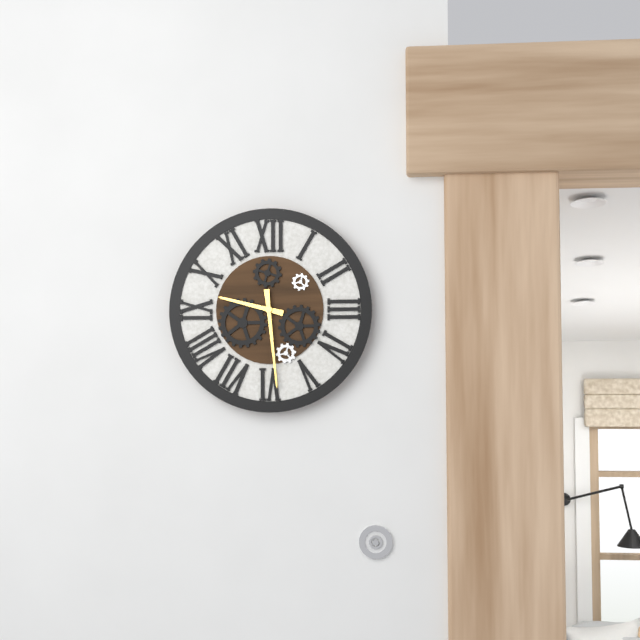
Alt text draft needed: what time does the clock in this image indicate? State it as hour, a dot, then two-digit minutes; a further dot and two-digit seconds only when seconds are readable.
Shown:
9.29
